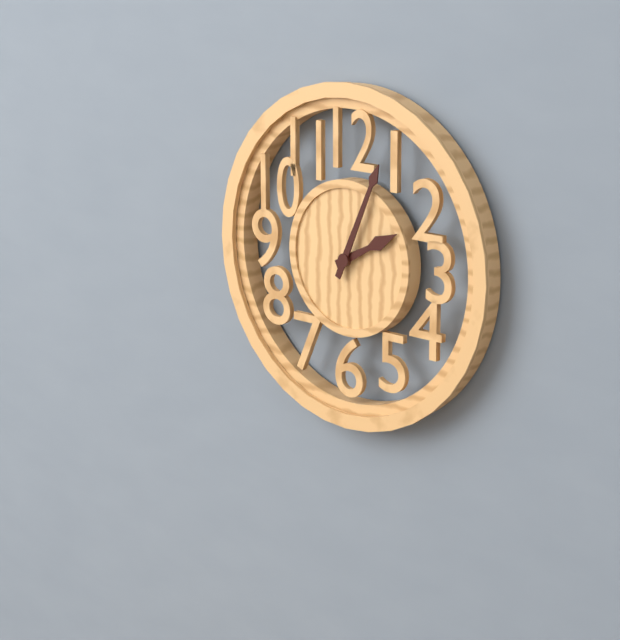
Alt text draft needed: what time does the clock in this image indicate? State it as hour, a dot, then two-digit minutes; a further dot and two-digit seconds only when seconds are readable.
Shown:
2.04
